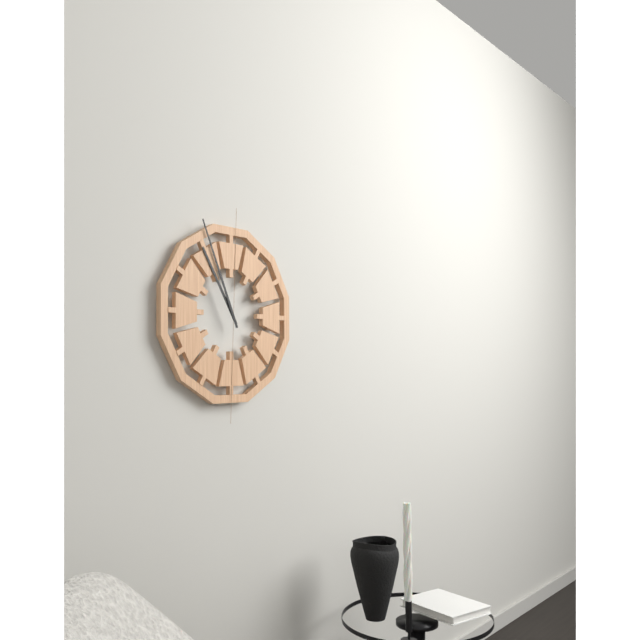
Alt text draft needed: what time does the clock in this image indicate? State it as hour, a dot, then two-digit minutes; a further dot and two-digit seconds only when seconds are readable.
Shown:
10.56
